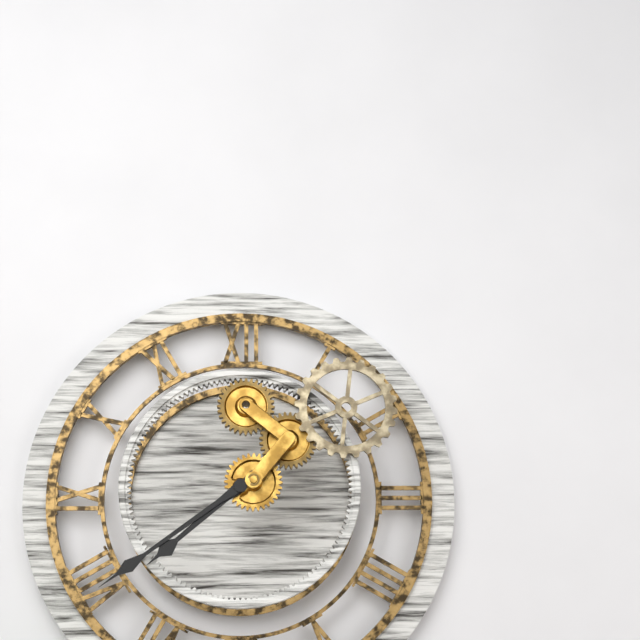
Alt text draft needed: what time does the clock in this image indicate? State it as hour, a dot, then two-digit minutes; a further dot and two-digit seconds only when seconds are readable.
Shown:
7.39
